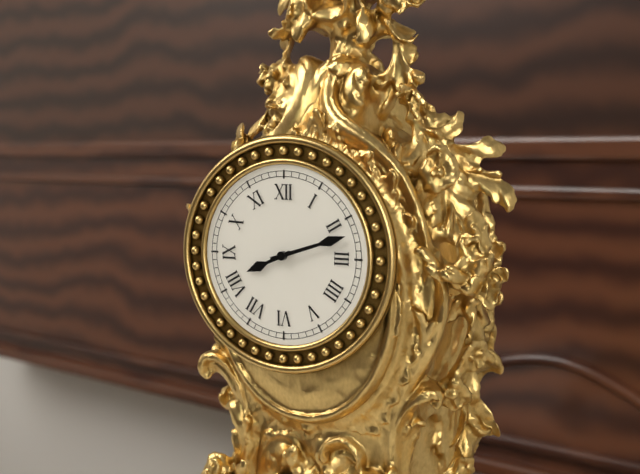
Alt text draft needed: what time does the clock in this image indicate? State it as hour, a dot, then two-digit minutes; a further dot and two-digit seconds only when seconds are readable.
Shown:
8.12
